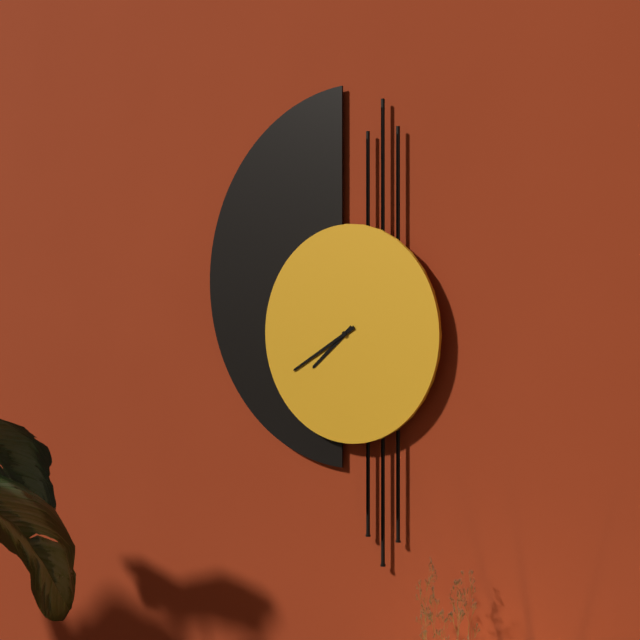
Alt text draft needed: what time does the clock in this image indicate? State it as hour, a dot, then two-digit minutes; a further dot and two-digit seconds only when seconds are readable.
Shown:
7.40
